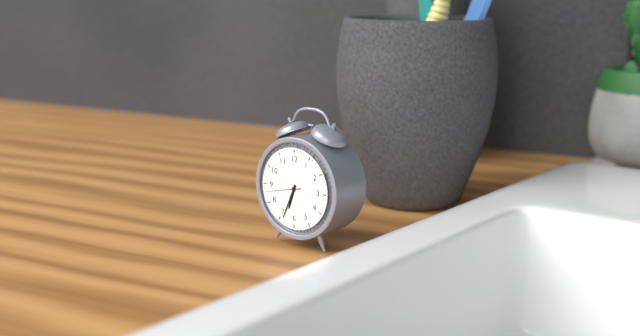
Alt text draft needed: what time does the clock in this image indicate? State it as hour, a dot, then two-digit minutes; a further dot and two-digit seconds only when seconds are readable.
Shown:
6.34
